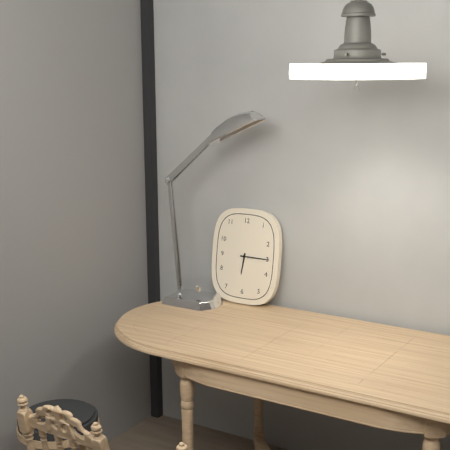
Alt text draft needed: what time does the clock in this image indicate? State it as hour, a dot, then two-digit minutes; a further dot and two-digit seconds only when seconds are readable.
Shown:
6.15
